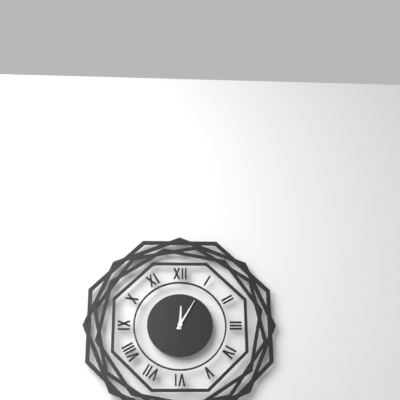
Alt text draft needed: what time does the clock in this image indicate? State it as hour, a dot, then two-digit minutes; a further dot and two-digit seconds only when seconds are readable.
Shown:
12.05
